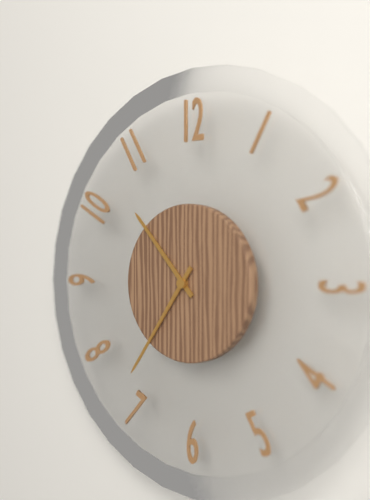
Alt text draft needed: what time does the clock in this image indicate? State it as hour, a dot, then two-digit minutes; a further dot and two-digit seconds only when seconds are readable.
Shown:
10.36
